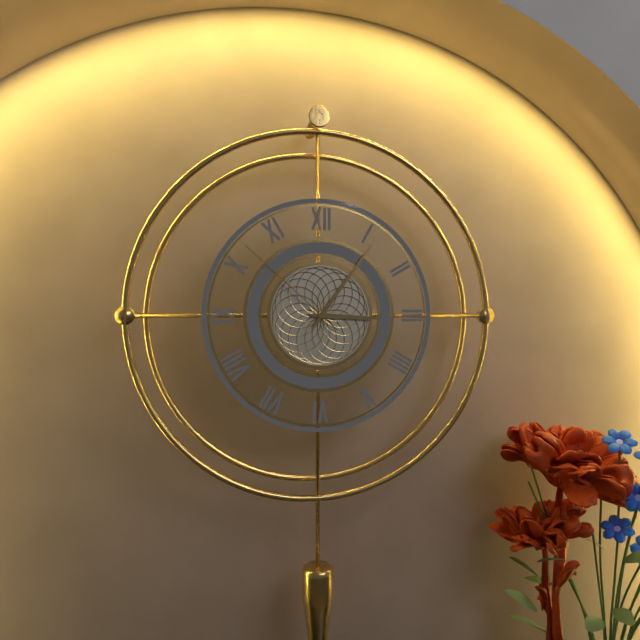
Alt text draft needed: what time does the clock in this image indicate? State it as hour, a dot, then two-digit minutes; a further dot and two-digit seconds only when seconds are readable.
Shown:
3.06.52
